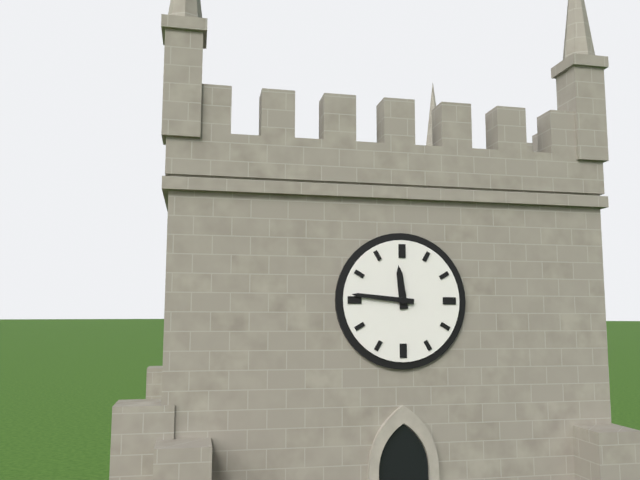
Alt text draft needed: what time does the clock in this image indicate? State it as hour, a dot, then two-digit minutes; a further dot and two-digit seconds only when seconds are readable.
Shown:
11.46
